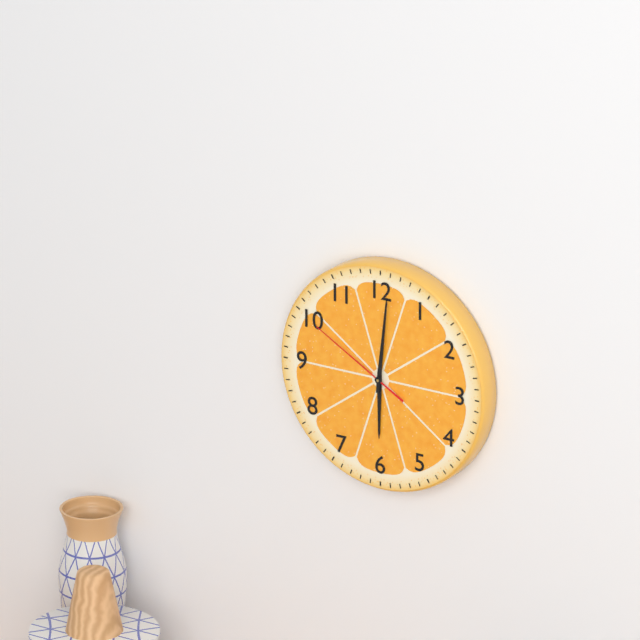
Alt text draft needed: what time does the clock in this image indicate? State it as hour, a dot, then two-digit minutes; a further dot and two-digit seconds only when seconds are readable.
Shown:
6.01.50
